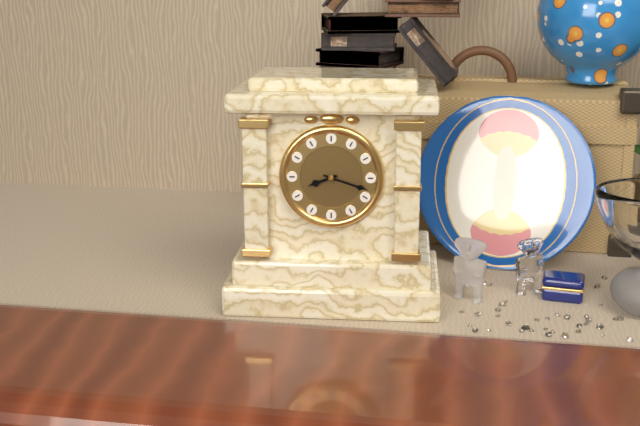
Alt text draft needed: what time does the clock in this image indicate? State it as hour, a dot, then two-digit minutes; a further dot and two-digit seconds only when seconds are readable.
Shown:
8.18
